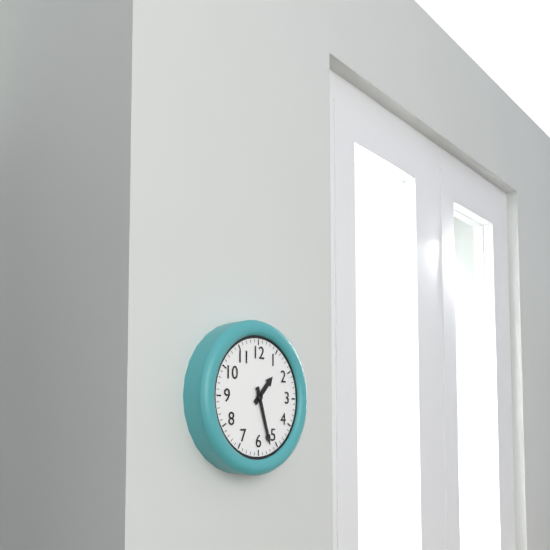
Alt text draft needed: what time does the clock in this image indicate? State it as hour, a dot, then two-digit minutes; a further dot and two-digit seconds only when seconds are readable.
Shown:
1.27
